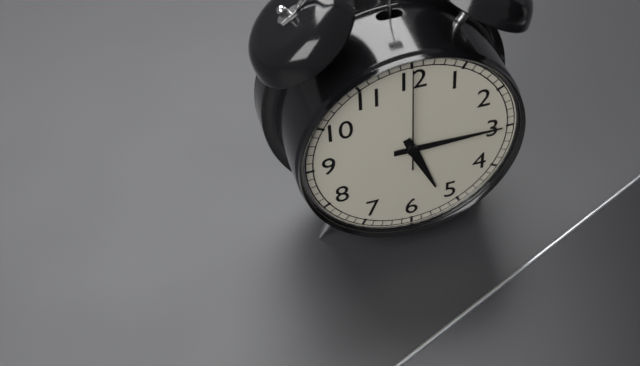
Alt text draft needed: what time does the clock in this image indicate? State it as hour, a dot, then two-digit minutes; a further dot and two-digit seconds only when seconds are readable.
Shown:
5.15.00
